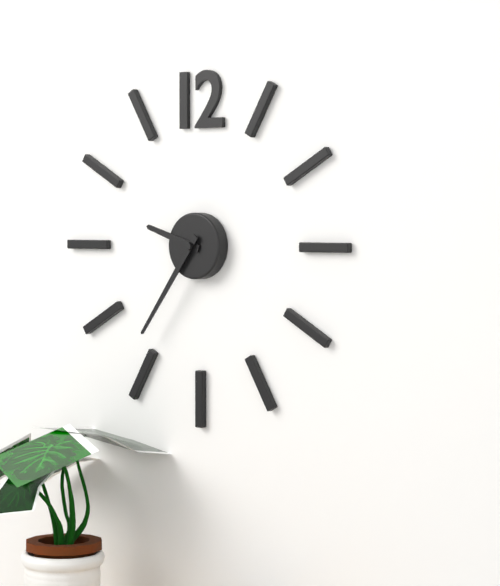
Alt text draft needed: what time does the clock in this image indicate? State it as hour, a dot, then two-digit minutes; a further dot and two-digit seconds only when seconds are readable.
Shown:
9.36
